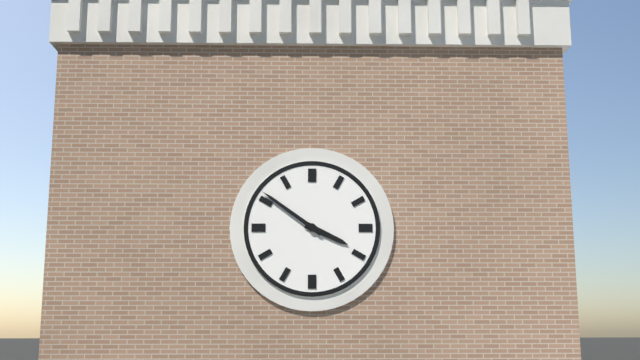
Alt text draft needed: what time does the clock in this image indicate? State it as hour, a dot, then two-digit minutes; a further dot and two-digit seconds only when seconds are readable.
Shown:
3.51
